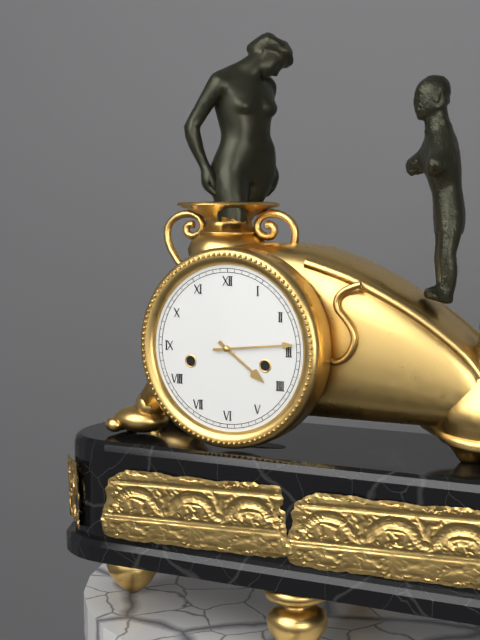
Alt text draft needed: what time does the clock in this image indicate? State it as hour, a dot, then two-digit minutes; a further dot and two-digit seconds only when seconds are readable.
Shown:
4.14
